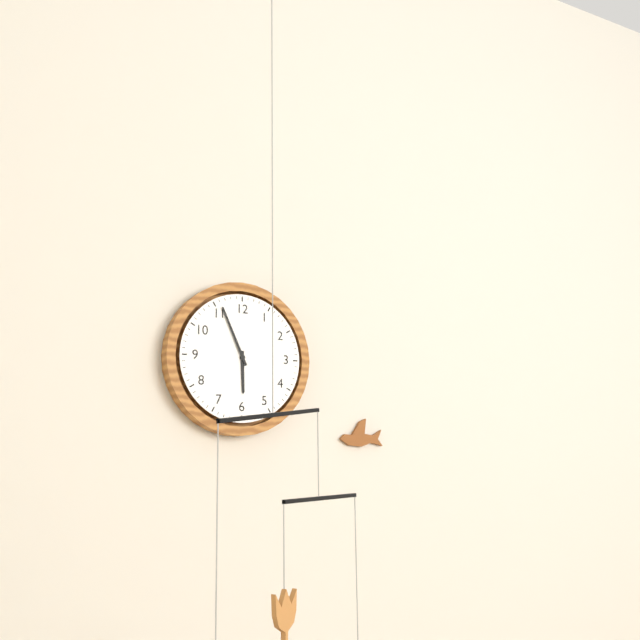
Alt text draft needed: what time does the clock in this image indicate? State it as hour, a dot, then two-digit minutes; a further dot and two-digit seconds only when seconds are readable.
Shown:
5.56
